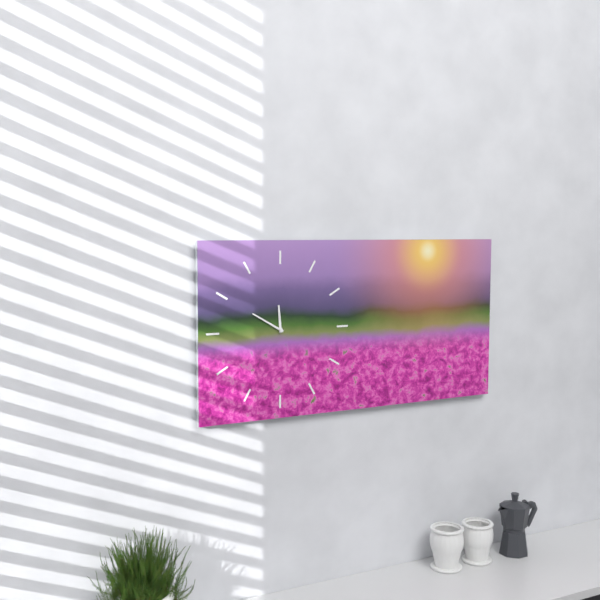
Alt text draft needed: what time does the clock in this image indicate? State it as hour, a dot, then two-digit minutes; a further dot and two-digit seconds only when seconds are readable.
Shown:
11.50
